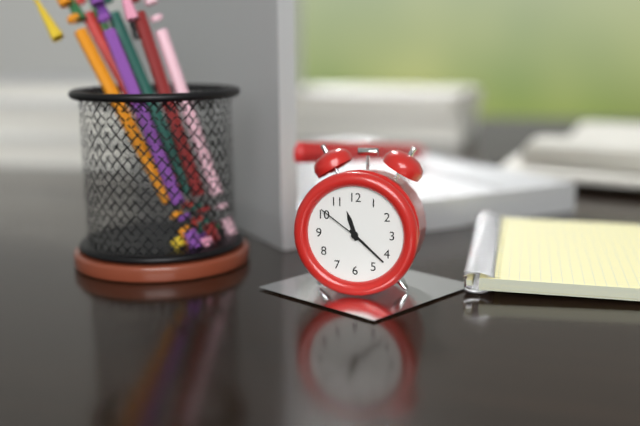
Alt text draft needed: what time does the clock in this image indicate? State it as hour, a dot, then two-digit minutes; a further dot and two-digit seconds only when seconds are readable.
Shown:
11.22.51
